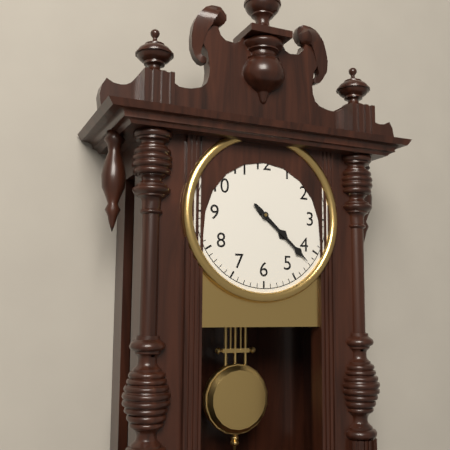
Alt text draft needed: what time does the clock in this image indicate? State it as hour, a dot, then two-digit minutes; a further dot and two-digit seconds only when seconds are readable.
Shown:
4.22
